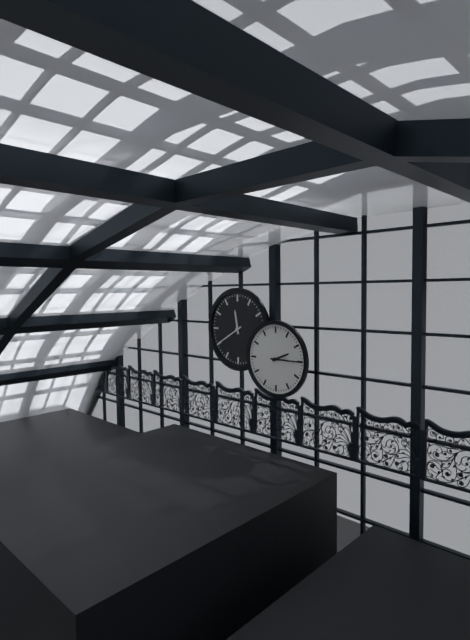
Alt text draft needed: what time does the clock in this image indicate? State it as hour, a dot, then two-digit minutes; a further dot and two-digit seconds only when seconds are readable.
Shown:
2.15
